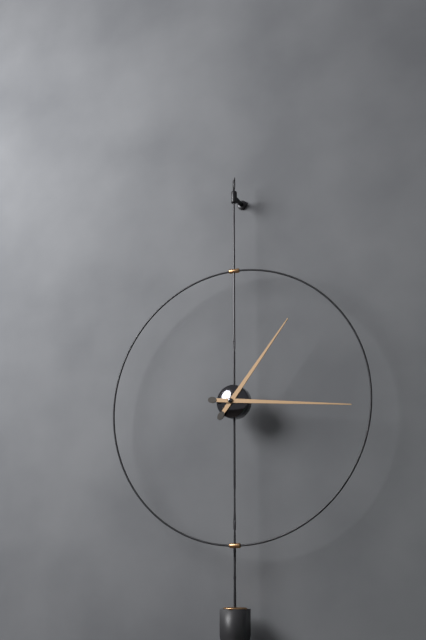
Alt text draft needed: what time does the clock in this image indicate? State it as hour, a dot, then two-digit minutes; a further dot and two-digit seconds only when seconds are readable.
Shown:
1.16
